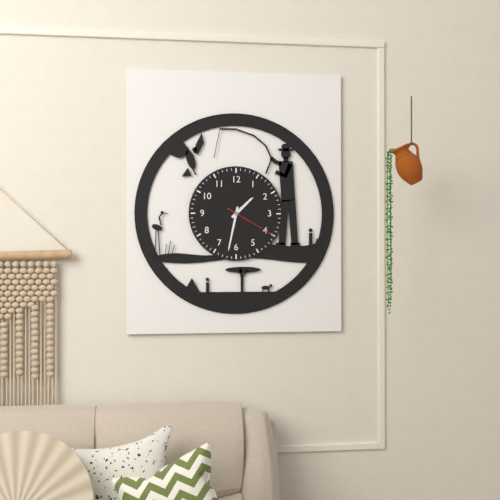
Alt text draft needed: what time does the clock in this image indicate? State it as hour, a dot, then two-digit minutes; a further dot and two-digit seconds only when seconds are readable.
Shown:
1.32.20
